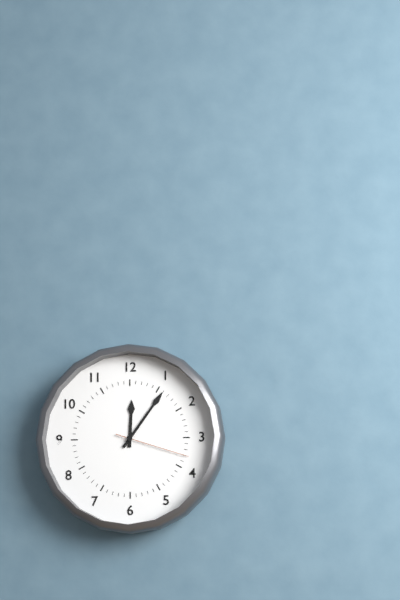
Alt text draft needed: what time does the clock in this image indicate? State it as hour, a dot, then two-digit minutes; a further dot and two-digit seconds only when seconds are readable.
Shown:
12.06.18
